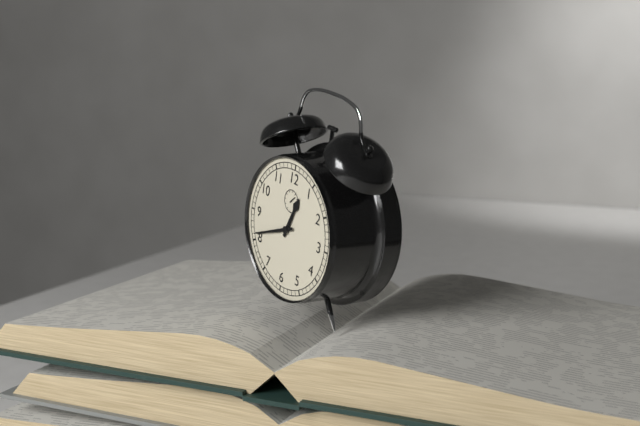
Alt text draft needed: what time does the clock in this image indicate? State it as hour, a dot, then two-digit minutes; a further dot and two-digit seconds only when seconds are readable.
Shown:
12.41
